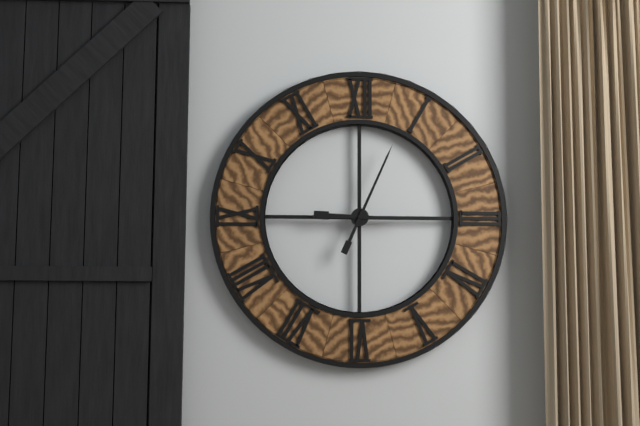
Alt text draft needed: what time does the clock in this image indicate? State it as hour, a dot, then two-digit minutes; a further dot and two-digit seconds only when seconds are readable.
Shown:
3.04
